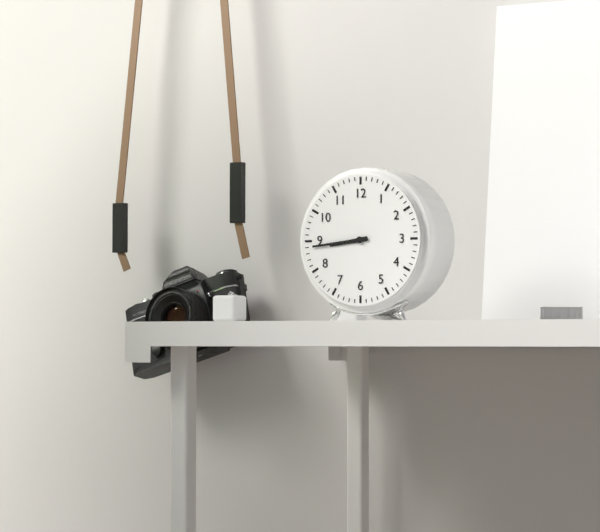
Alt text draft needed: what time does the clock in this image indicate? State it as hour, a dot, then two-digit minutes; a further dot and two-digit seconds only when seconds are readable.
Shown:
8.44
